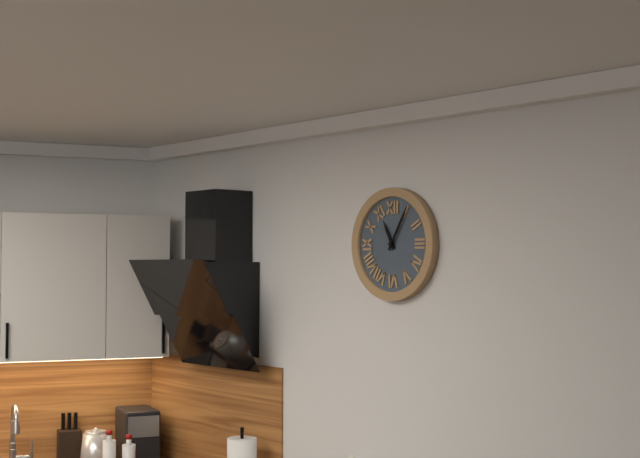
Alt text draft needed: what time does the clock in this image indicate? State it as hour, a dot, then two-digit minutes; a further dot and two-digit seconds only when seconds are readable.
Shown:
11.05
